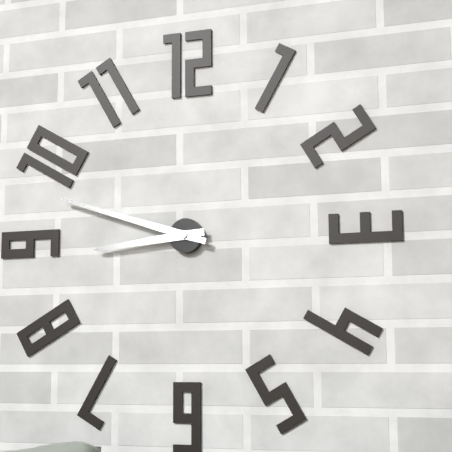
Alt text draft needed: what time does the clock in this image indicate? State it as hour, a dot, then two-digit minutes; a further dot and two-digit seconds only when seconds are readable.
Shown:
8.48
